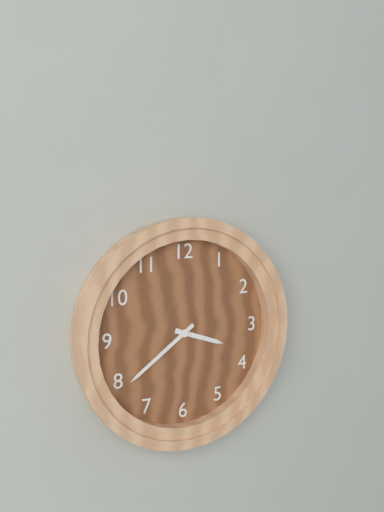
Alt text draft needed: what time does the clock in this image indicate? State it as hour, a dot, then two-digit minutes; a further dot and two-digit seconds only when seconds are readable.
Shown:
3.39
